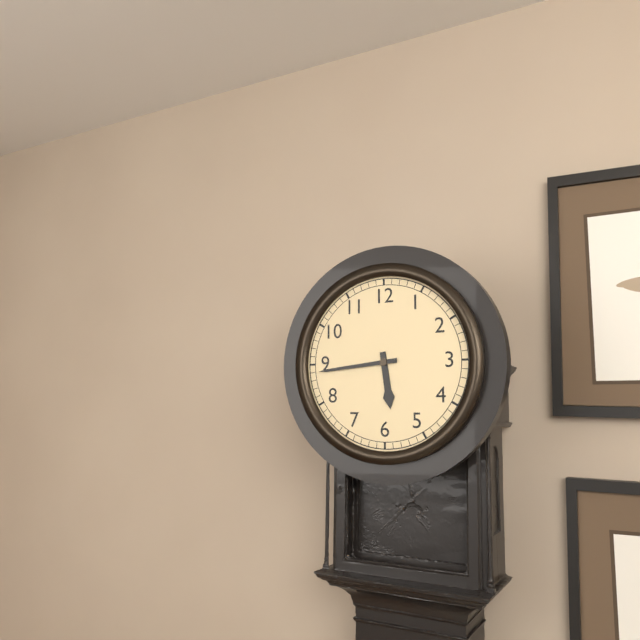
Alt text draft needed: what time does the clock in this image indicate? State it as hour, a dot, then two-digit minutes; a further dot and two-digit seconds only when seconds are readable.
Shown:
5.44
